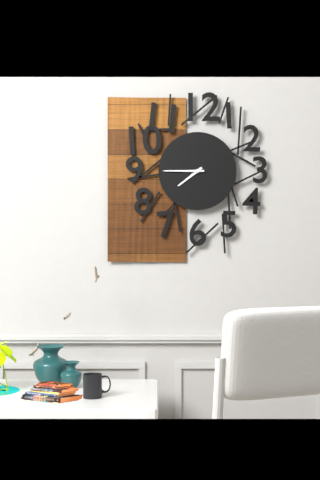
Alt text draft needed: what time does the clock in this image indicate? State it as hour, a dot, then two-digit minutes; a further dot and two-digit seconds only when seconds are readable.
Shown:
7.45
